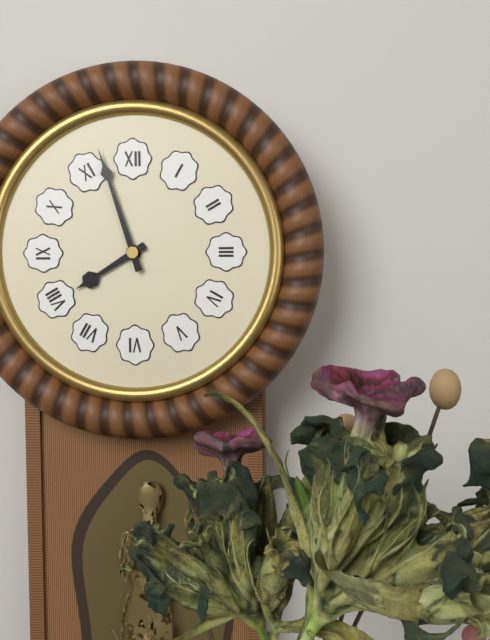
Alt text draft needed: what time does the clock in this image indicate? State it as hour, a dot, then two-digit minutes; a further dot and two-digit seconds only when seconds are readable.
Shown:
7.57
